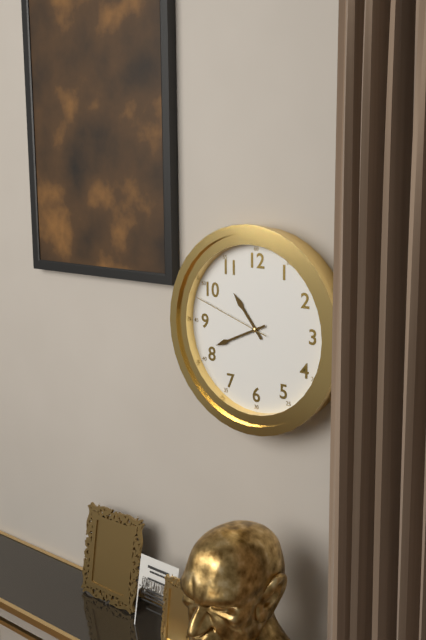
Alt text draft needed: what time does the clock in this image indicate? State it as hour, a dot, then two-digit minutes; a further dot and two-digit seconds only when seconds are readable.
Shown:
10.41.48
